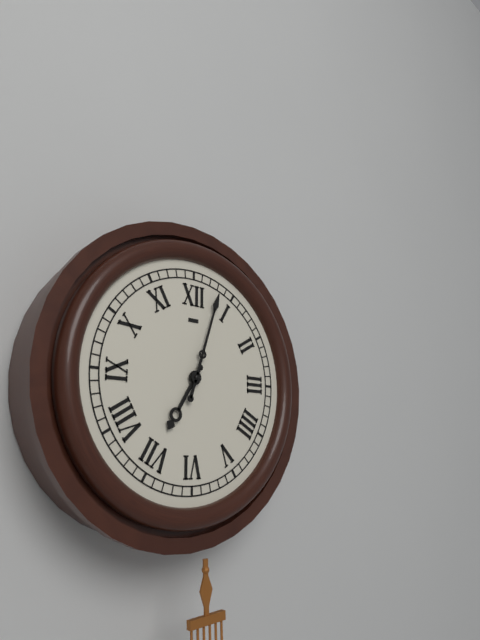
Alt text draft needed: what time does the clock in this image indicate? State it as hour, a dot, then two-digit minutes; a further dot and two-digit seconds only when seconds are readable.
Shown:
7.03
